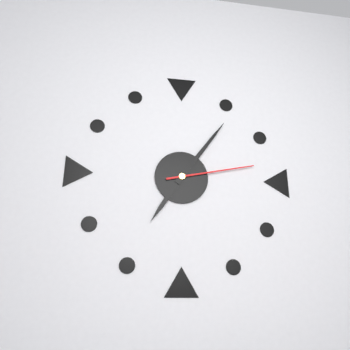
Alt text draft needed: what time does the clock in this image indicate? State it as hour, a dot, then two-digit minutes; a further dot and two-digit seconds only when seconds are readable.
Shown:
7.06.13
